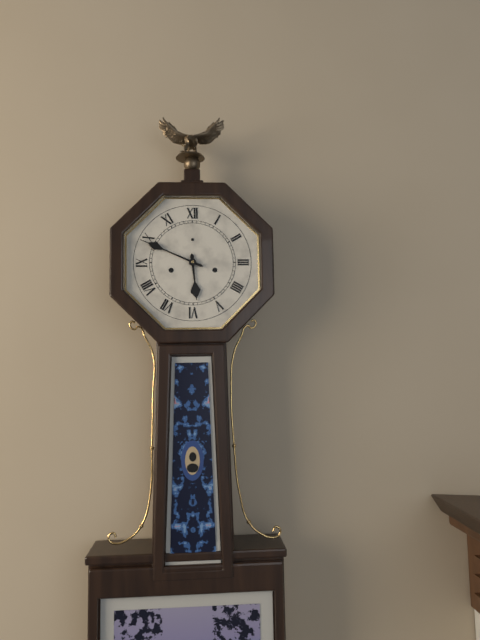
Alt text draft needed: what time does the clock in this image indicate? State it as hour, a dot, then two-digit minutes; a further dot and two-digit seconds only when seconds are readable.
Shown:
5.49
